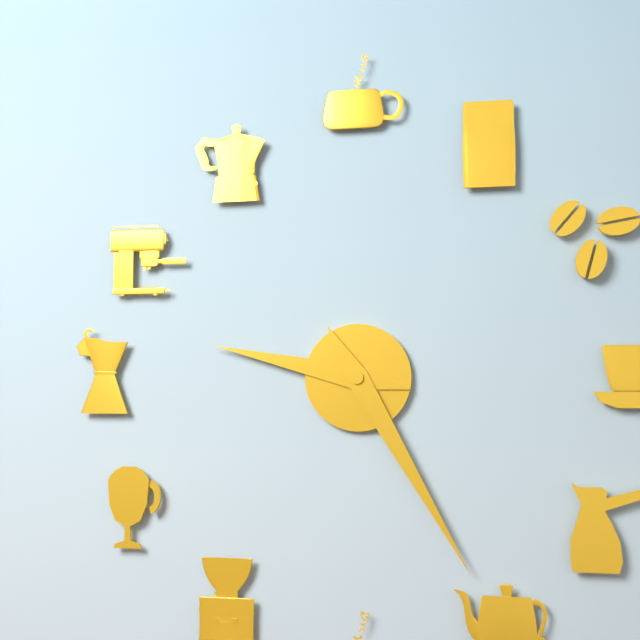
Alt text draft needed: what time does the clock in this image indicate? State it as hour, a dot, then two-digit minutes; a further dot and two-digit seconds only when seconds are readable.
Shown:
9.25
